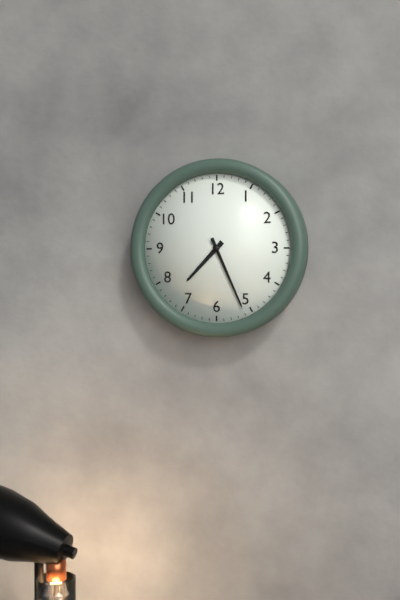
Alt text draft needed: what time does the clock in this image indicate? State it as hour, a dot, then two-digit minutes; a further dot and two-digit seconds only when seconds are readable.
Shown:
7.26
